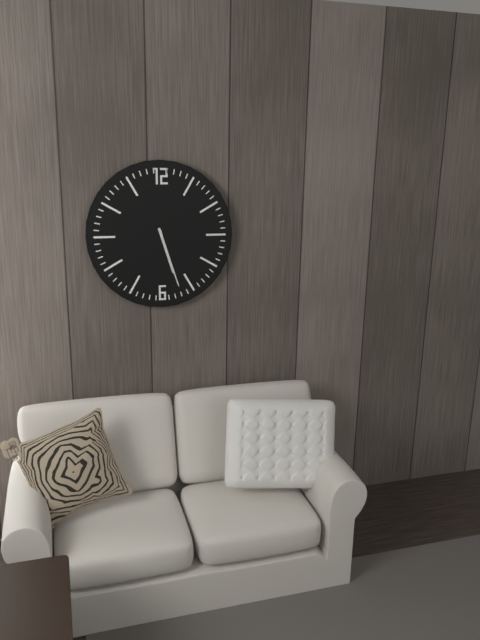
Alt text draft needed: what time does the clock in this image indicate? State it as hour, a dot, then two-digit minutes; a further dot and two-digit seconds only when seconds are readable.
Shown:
5.27
